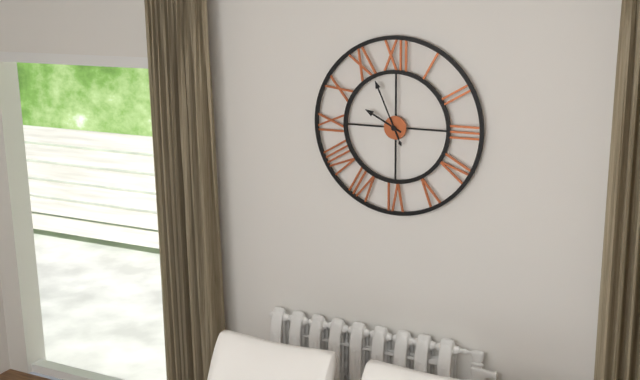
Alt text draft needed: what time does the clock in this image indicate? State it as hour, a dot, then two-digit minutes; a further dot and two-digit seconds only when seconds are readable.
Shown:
9.56
